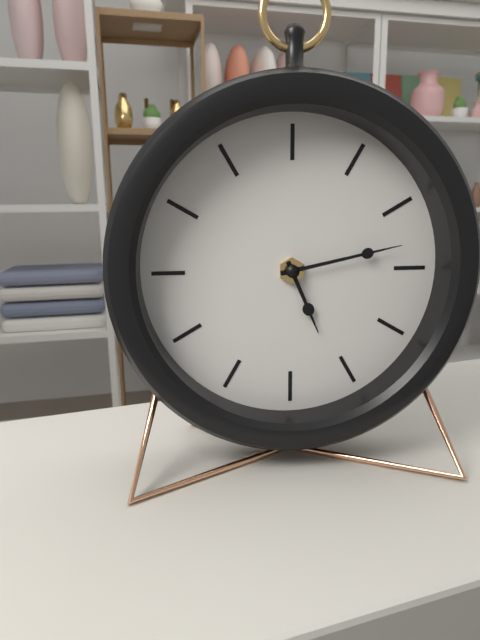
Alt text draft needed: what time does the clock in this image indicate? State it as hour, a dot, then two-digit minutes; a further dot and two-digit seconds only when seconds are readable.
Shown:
5.13
